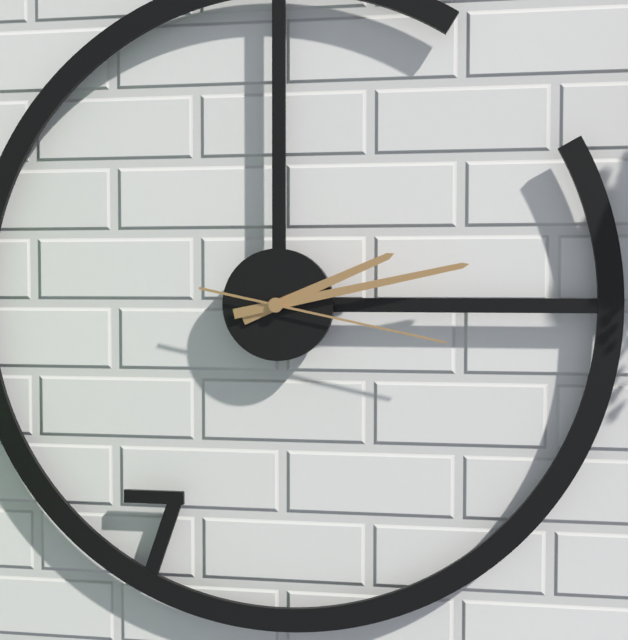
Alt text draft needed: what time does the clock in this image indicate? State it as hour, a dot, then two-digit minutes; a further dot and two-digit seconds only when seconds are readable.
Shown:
2.13.17
